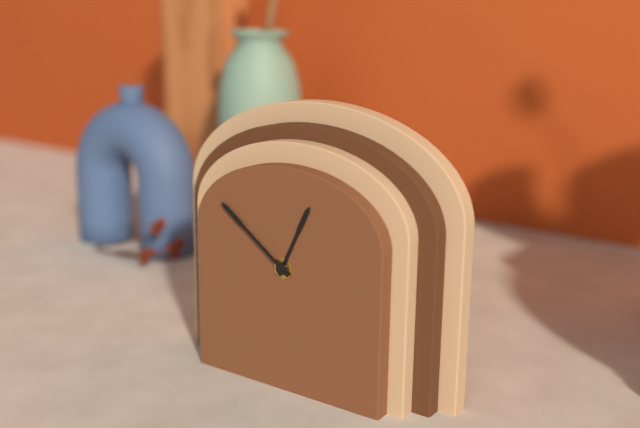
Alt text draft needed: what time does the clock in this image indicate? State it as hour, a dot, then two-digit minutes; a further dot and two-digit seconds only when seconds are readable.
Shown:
12.51
